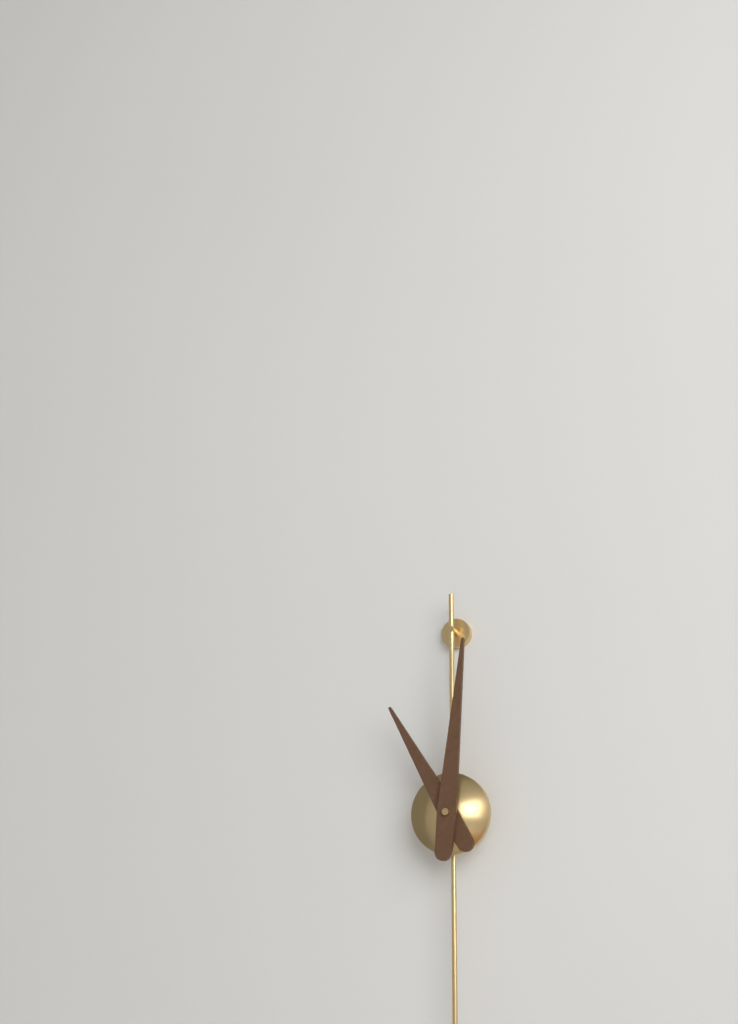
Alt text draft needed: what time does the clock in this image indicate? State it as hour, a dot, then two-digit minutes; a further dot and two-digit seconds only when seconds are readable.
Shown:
11.01
